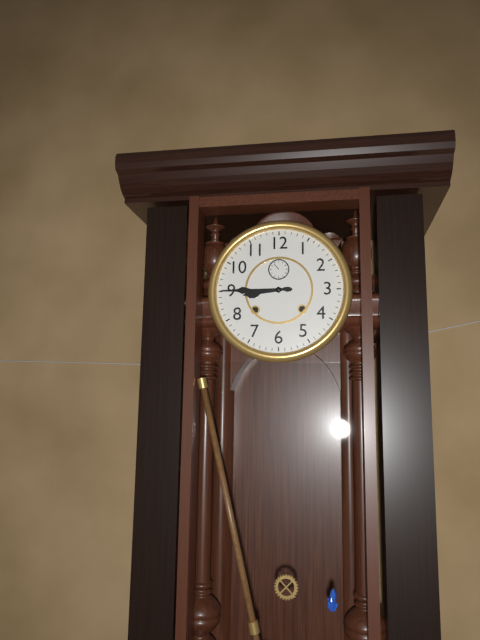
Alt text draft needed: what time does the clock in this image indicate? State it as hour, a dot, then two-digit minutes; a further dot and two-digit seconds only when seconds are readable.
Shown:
8.45
